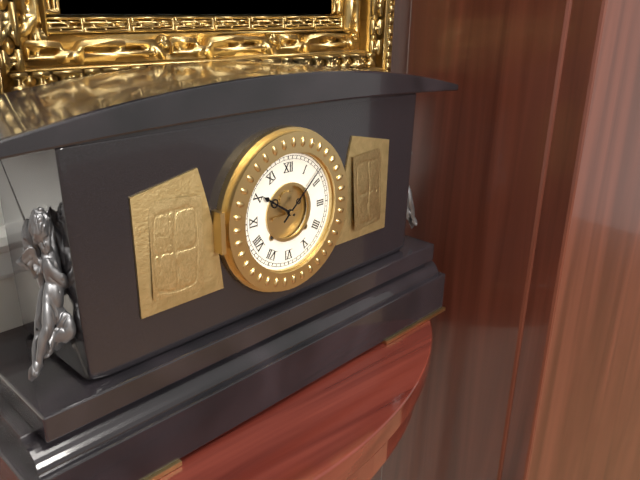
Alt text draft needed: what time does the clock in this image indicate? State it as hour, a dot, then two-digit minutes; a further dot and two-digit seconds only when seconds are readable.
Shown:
10.08
